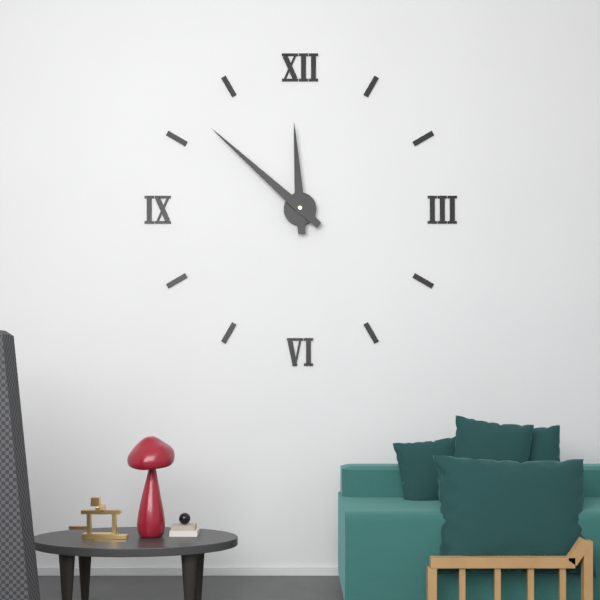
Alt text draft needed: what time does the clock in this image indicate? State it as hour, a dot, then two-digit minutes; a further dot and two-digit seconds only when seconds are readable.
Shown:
11.52
